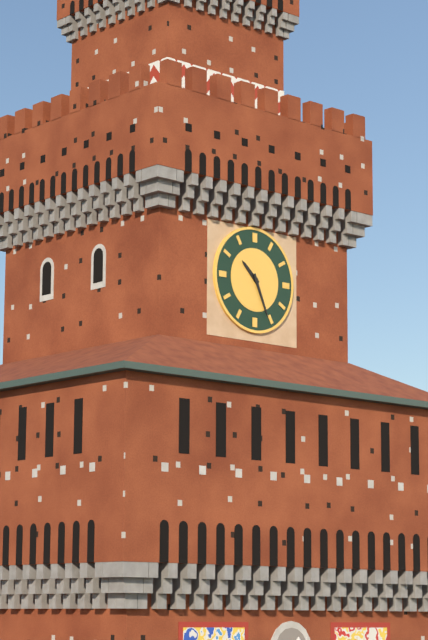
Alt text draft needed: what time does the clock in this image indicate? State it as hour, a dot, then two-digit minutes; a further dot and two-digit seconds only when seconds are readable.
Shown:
10.26
